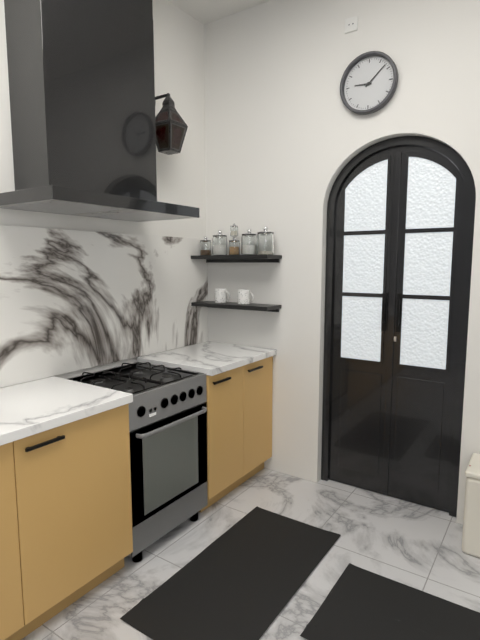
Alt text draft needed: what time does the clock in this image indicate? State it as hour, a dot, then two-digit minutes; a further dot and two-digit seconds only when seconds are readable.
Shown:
9.08
